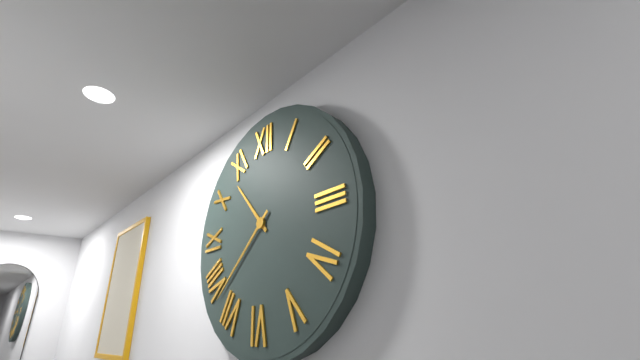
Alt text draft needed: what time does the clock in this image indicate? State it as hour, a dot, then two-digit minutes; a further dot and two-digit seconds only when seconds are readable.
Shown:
10.38
